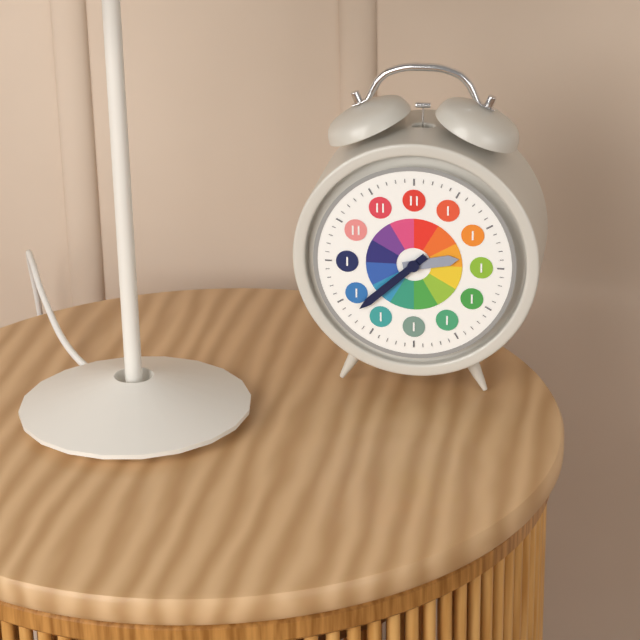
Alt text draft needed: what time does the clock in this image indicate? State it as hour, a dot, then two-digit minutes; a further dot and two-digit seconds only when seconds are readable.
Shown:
2.38
